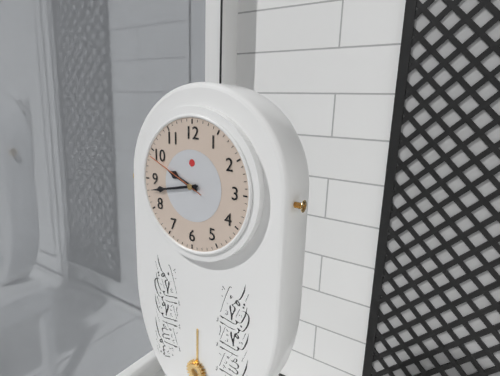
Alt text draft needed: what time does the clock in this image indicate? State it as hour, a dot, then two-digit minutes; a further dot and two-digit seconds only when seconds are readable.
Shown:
9.43.49
